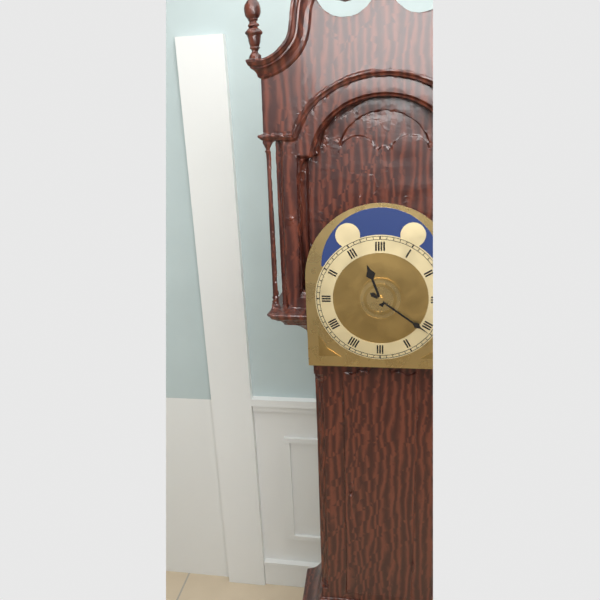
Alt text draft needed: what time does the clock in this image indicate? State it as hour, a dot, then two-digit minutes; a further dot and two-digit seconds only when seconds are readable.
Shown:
11.21
